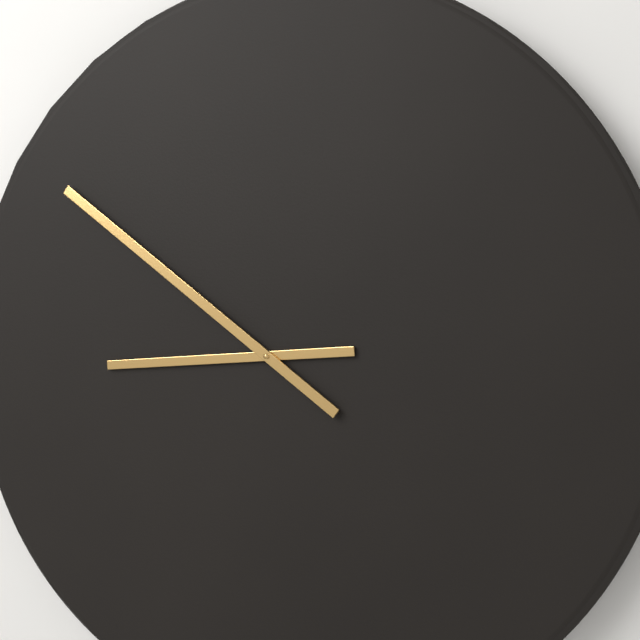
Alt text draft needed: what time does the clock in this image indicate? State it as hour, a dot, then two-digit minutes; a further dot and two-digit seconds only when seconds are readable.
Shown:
8.51
